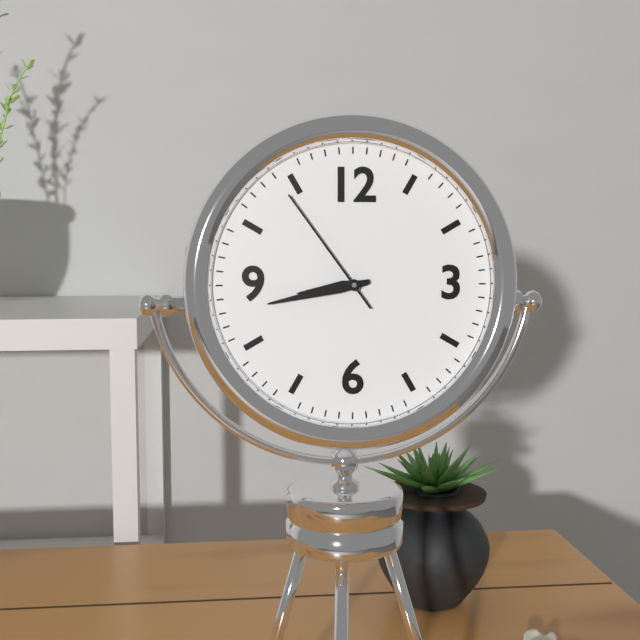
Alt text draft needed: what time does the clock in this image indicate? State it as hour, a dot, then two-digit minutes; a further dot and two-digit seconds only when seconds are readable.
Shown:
8.43.54
